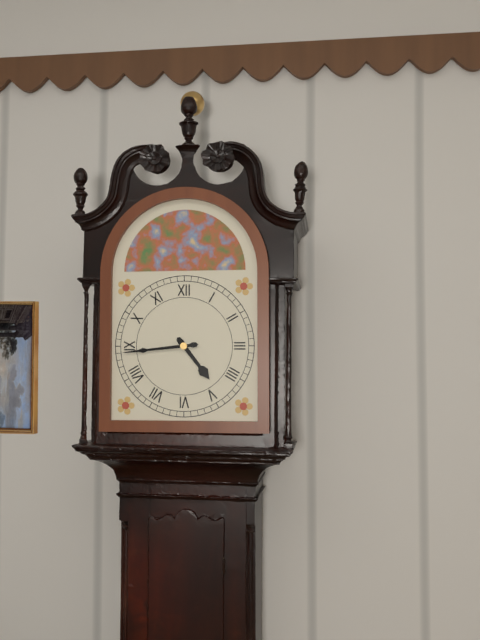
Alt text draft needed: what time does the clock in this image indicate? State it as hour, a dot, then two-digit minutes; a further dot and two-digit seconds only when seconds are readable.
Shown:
4.44
